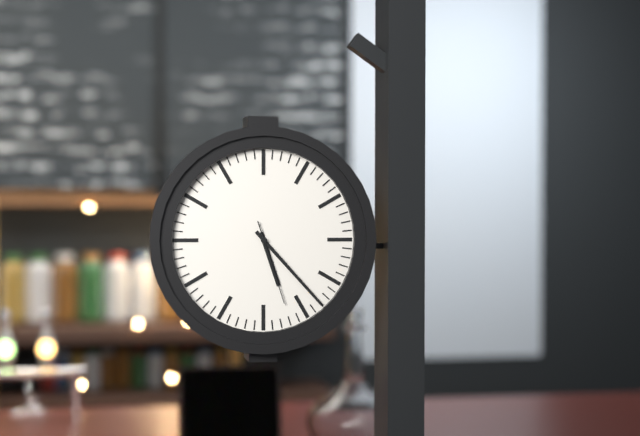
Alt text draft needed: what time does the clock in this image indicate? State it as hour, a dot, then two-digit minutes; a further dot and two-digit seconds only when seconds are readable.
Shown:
5.23.27
